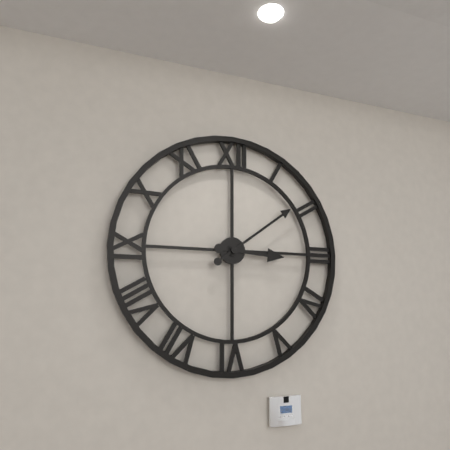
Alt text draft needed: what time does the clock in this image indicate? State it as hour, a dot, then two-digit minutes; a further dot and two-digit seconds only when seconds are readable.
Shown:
3.09
